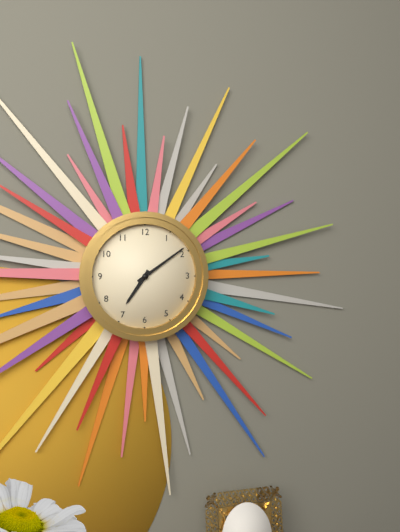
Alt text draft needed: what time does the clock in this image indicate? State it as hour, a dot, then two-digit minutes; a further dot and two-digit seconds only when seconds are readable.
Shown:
7.09
